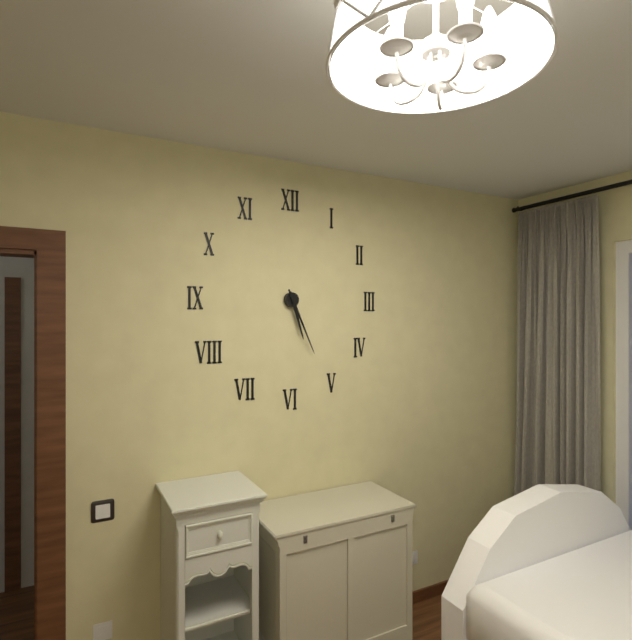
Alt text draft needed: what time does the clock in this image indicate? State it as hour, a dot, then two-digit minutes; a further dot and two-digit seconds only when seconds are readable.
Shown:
5.26
